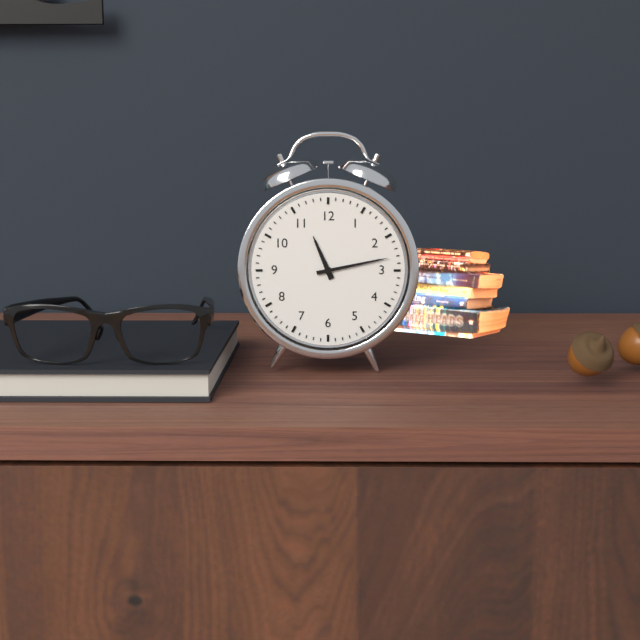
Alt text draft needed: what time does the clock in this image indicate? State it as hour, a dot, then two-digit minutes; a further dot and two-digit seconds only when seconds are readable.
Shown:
11.13
